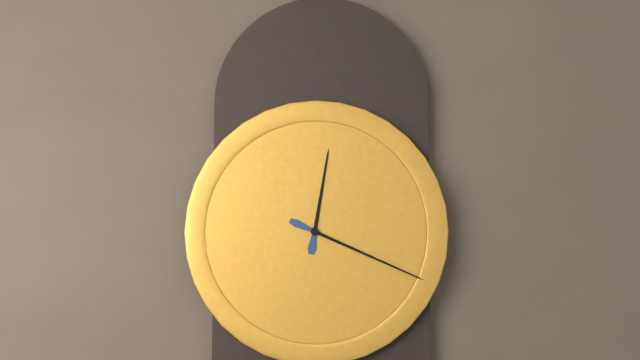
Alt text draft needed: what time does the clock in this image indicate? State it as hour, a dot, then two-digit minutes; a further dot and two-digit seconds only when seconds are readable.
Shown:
12.19
